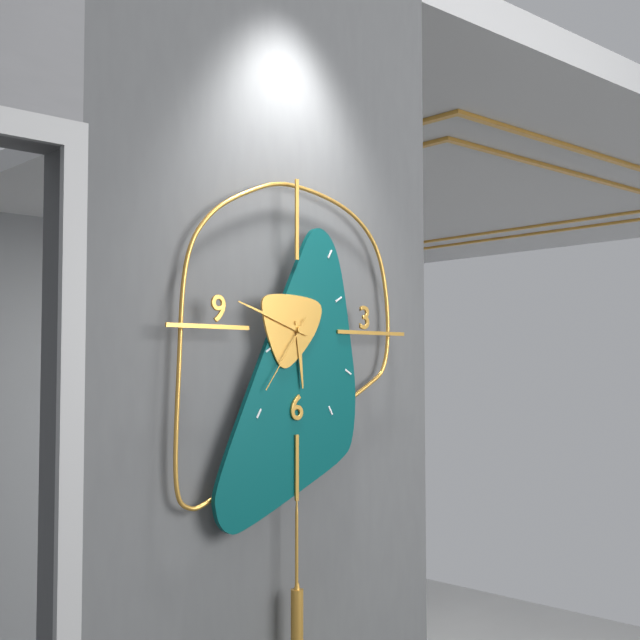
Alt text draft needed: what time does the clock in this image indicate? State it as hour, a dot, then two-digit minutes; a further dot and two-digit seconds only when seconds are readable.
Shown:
5.48.36
